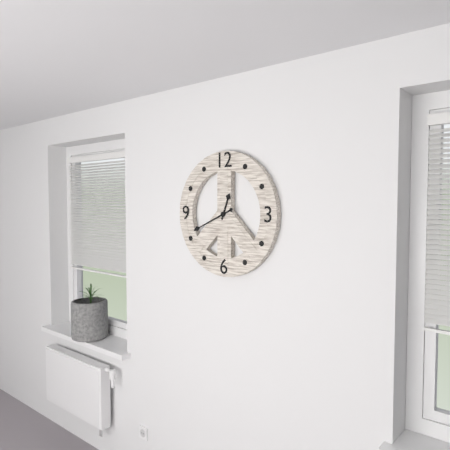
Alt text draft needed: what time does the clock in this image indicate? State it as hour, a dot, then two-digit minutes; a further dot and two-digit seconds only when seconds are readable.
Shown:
12.41
